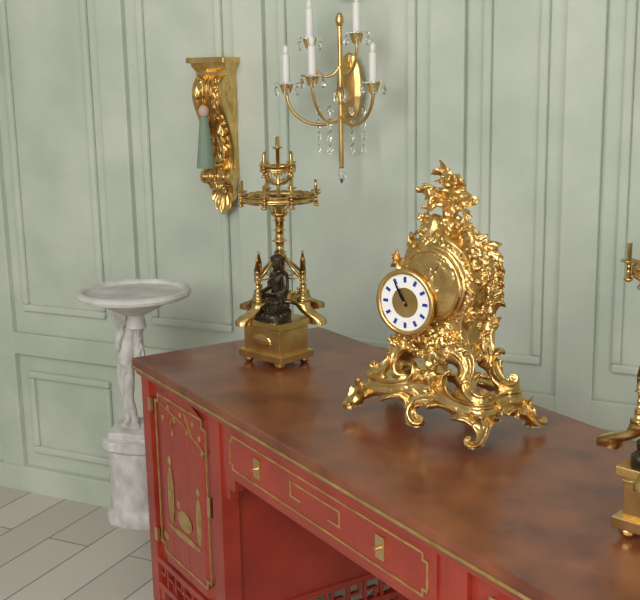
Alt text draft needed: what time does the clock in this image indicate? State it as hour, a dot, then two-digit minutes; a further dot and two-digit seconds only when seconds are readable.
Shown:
10.55
